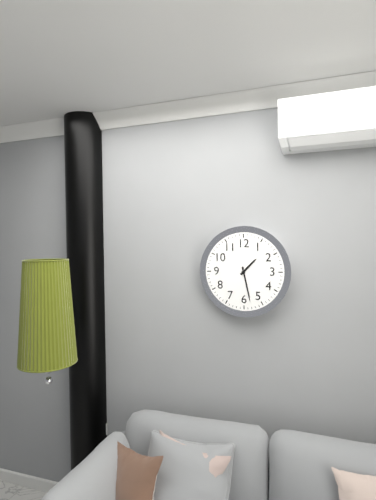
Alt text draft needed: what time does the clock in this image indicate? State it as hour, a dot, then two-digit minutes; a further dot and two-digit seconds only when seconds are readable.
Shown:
1.28
